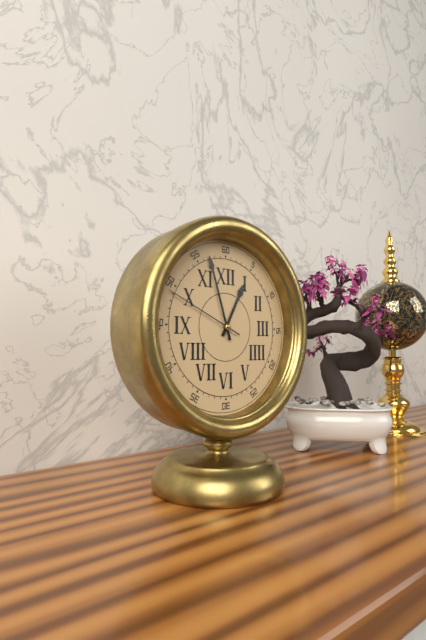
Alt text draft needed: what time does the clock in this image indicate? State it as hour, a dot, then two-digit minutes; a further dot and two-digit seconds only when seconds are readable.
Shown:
12.57.49
